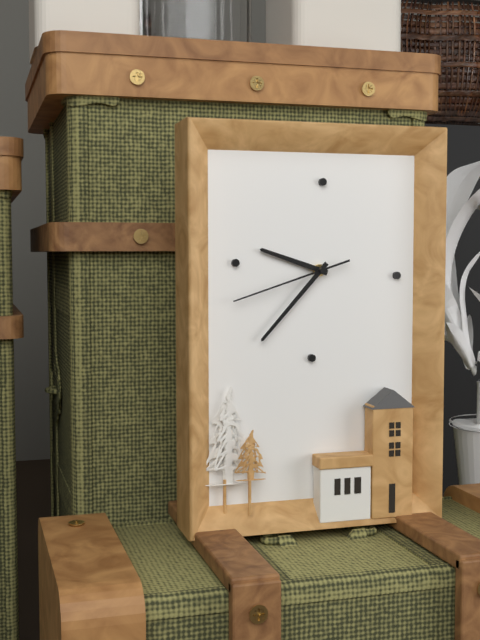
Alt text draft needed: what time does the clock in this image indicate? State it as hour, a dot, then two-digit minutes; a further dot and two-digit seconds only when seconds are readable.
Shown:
9.37.42
